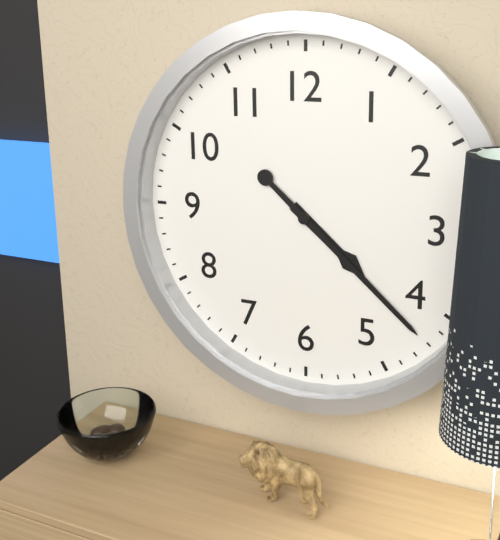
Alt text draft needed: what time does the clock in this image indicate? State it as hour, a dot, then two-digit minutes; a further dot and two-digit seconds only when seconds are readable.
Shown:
4.22
